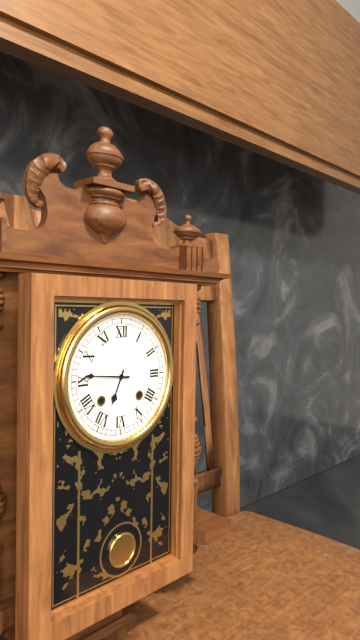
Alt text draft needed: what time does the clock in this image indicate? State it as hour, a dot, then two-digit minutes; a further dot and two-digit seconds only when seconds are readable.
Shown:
6.46
